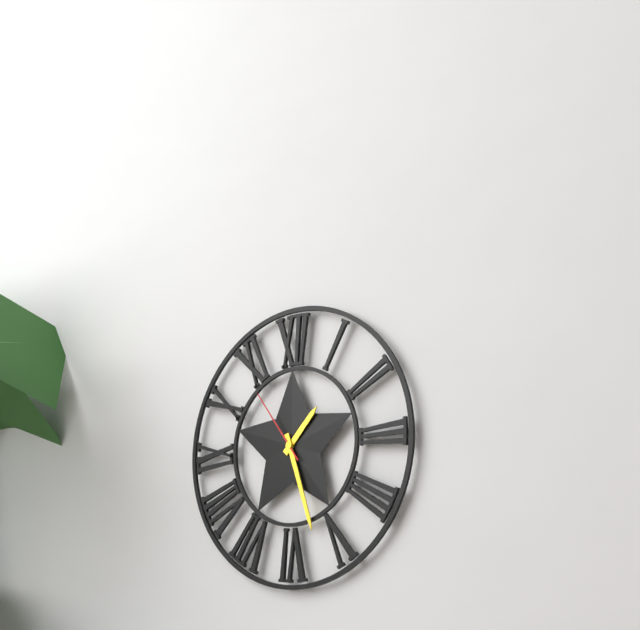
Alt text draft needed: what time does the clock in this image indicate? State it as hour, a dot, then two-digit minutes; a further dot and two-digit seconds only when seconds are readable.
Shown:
1.27.54
